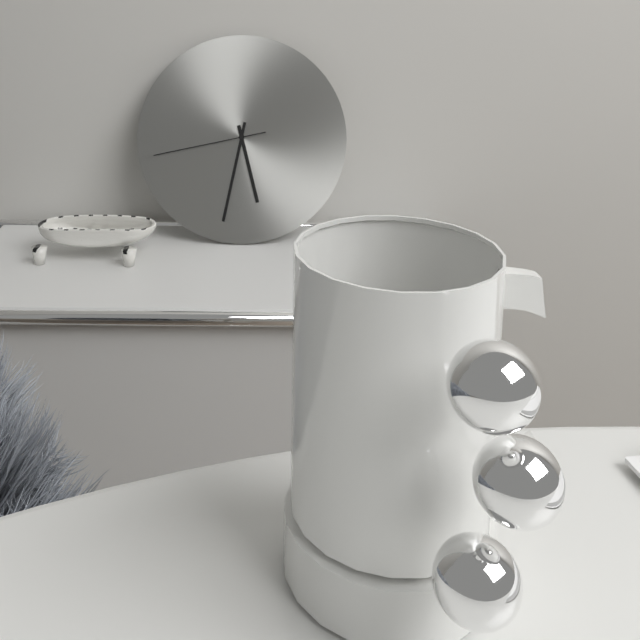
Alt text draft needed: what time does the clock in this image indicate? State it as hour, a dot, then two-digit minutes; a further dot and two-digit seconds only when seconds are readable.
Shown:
5.32.43
